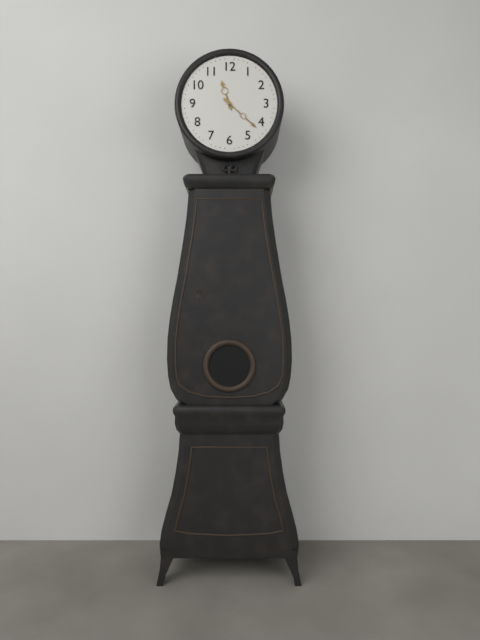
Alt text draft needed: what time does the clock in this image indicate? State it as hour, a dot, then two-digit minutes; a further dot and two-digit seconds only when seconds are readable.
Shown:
11.22
